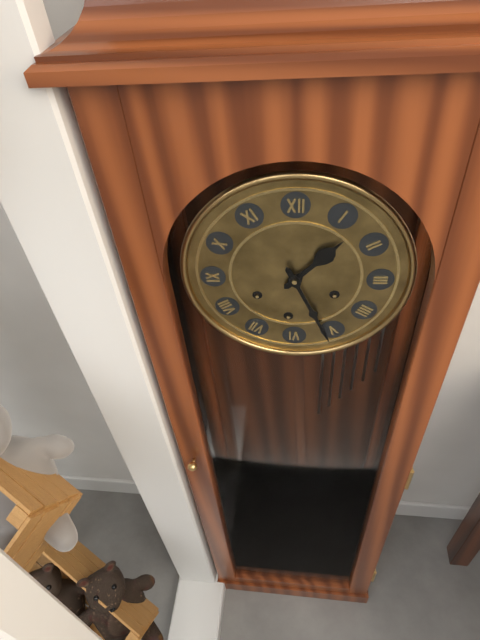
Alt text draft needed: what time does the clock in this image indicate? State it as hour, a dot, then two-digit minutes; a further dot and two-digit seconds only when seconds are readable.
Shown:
1.26
